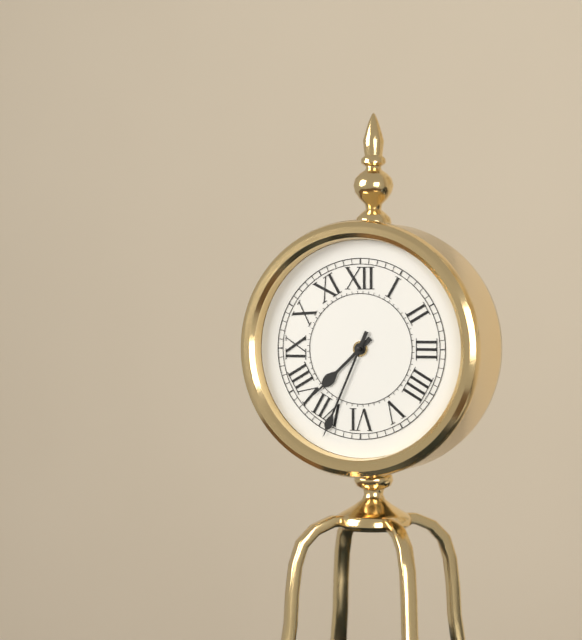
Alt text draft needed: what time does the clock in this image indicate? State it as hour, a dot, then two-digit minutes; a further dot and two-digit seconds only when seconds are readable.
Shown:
7.34
